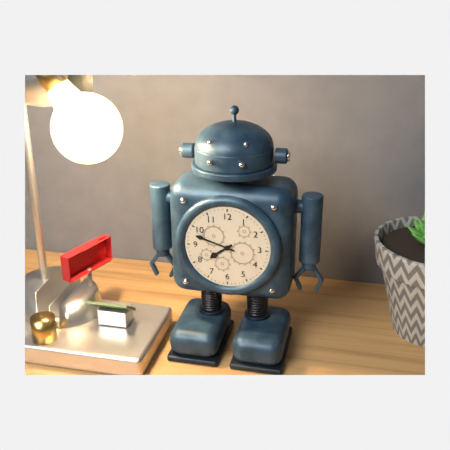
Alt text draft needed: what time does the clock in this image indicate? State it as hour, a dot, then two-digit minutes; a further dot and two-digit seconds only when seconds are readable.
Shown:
7.48
